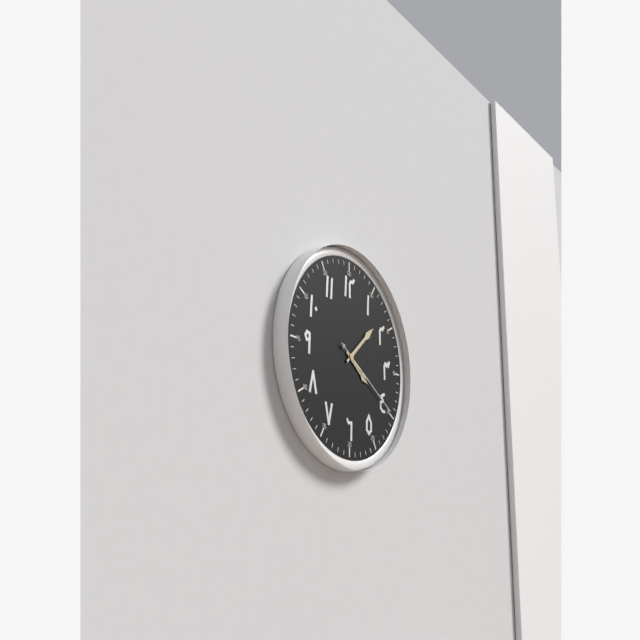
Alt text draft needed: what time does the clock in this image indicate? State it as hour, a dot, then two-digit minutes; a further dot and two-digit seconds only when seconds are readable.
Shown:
4.08.20
